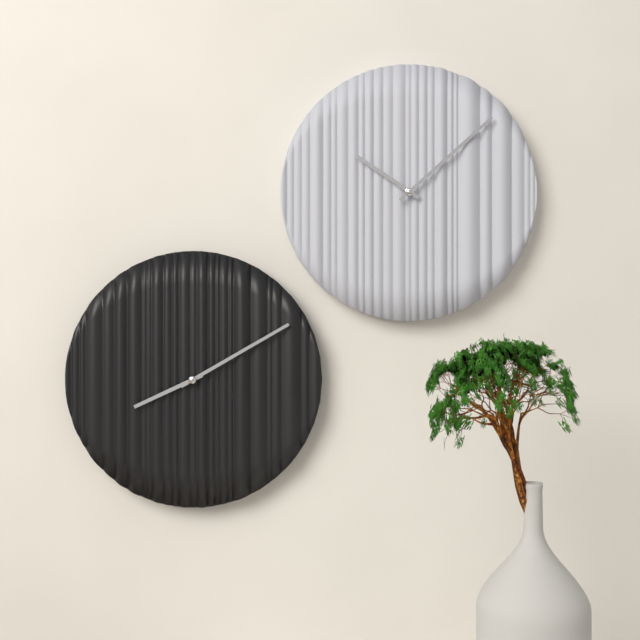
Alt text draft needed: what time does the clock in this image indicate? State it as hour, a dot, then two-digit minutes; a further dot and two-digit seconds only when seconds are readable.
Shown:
8.10
